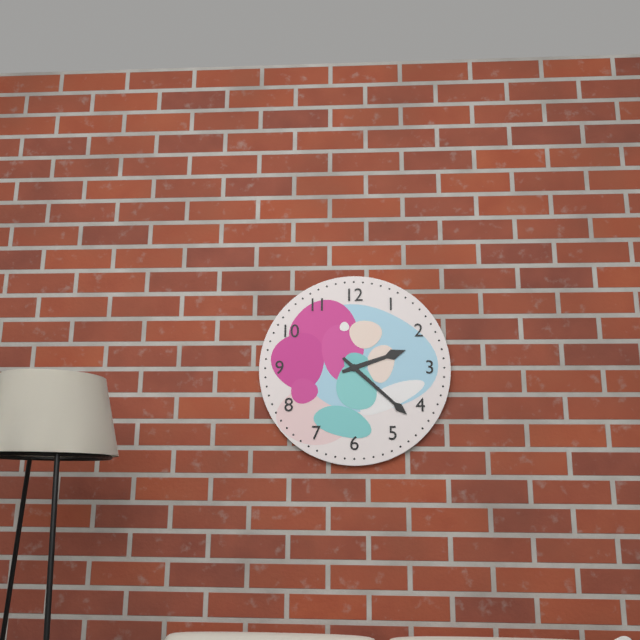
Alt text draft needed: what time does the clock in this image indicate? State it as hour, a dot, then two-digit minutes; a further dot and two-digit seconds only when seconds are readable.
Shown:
2.22
